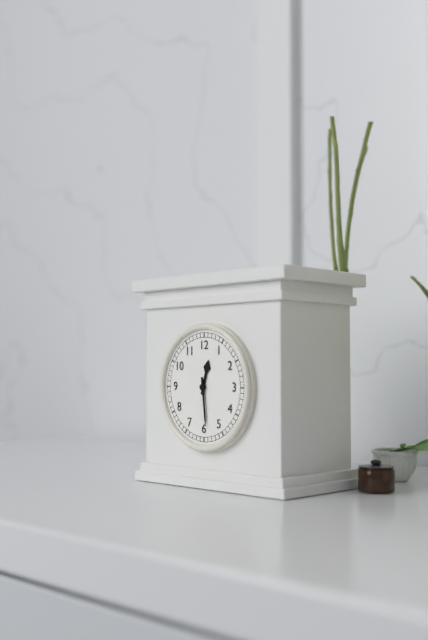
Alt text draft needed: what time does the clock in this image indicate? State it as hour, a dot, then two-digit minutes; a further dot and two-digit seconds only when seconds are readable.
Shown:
12.29
